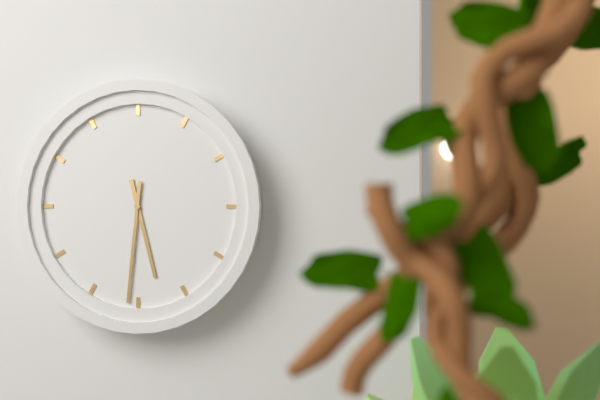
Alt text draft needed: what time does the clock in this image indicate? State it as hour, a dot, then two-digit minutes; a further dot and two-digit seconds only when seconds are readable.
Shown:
5.31
